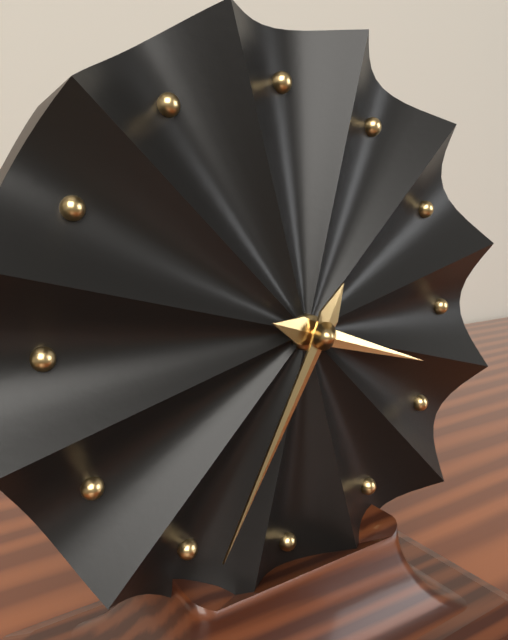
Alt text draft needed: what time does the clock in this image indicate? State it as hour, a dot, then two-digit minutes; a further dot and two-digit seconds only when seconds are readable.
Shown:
3.35
